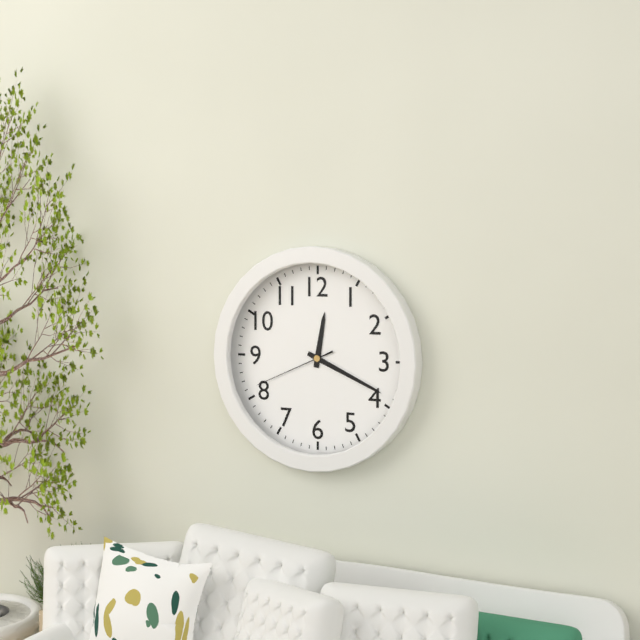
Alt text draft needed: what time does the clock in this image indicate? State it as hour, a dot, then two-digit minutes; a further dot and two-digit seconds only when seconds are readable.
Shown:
12.19.41
